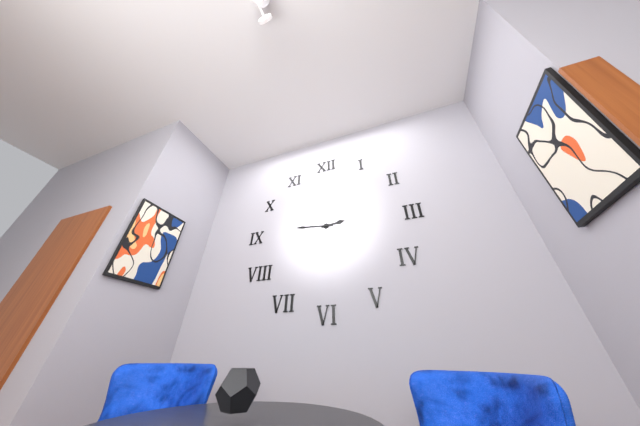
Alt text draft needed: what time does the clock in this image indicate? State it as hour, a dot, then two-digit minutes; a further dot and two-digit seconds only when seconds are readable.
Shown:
2.46
